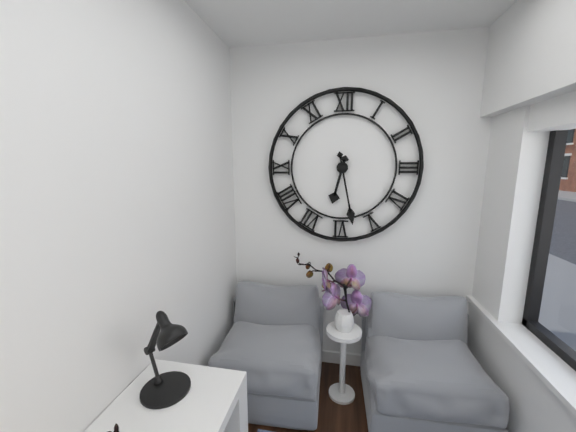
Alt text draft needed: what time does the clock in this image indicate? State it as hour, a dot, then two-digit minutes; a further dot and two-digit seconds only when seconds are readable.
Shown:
6.28
